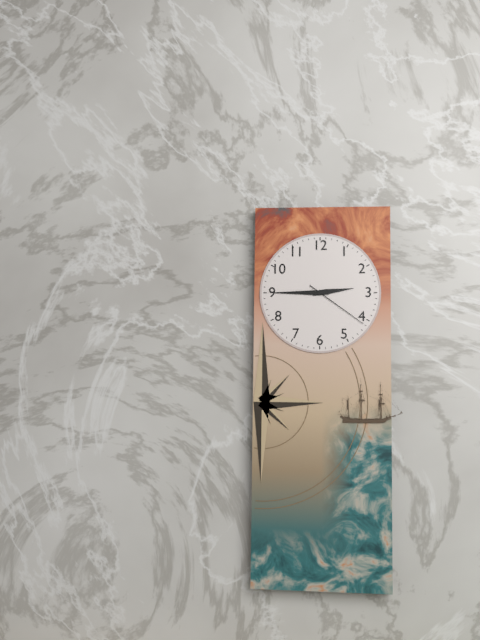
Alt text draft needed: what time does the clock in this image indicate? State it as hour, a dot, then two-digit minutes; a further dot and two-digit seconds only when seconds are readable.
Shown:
2.45.21
